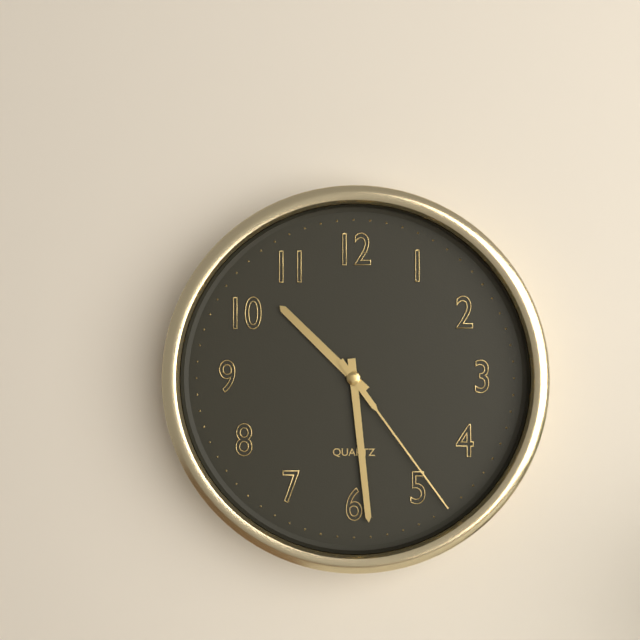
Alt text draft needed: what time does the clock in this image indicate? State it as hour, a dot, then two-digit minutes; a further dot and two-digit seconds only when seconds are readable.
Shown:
10.29.24
